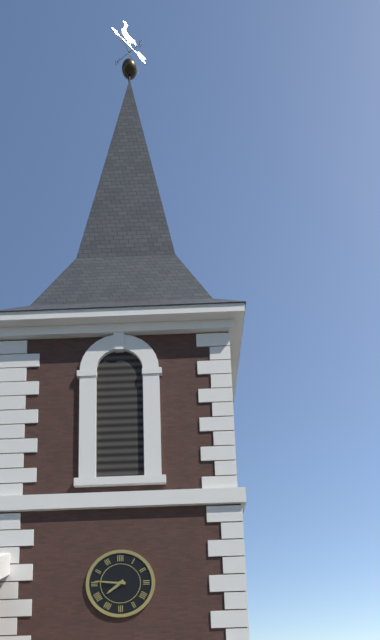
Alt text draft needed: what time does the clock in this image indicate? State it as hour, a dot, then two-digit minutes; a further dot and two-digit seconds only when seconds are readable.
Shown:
7.46
